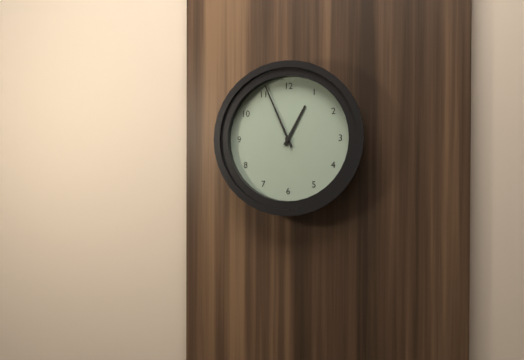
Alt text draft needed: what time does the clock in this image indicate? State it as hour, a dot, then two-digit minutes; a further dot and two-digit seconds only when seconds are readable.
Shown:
12.56
